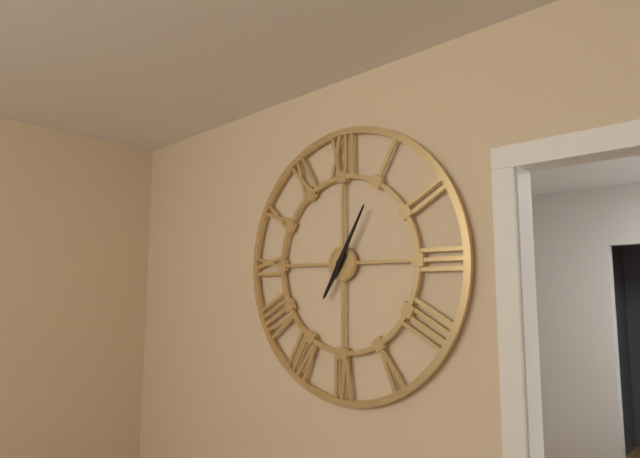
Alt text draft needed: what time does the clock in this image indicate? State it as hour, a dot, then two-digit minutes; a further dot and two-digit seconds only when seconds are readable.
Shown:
7.05
